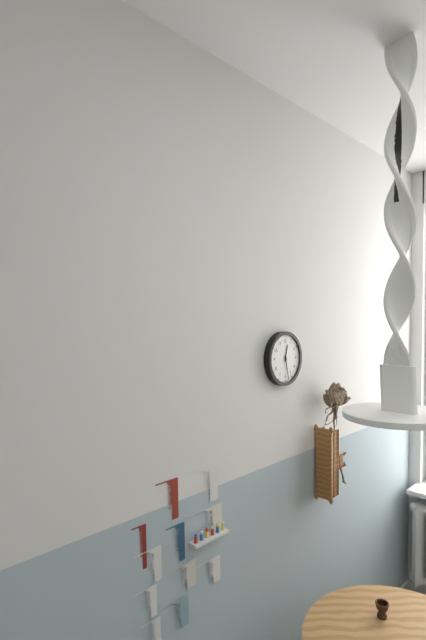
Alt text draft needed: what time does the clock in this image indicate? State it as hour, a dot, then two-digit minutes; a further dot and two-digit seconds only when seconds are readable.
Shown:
12.28
